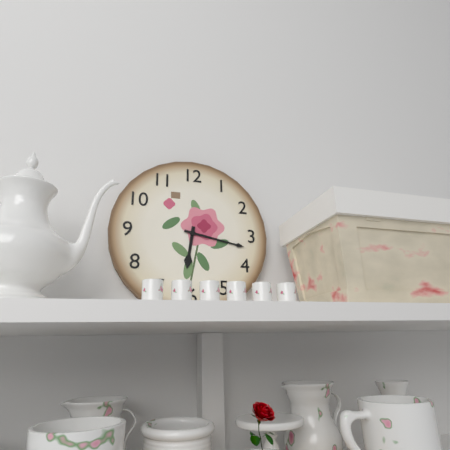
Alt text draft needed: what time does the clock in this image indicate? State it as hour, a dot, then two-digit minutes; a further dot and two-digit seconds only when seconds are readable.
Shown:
6.17
